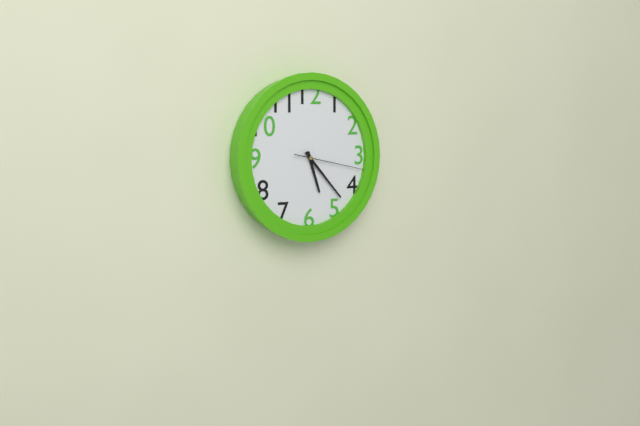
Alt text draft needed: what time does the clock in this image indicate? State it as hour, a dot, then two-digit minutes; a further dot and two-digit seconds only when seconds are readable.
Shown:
5.23.17
